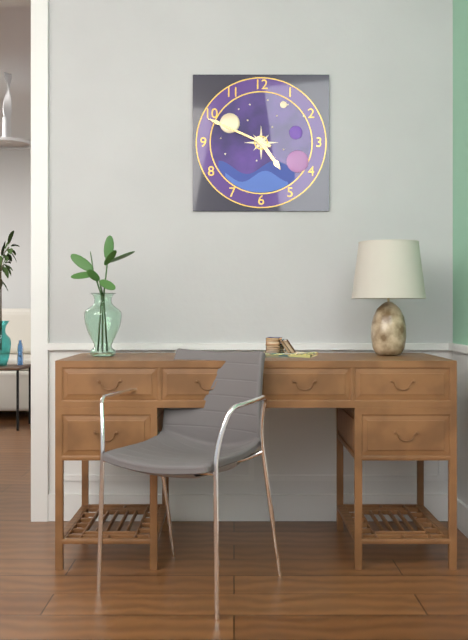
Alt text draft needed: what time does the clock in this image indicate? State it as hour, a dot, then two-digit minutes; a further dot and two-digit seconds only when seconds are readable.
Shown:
4.49
